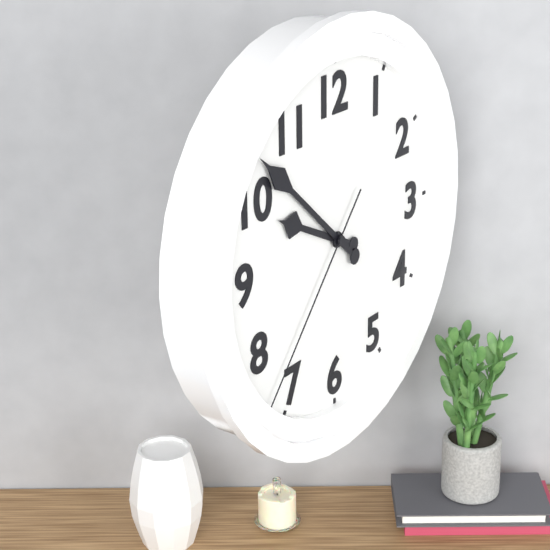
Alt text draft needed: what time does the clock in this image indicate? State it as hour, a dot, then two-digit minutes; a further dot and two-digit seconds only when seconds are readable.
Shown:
9.52.37
